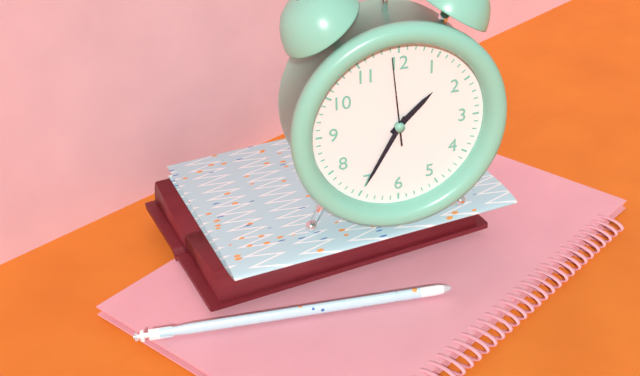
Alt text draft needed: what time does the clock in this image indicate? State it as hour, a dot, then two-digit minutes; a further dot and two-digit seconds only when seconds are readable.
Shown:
1.35.59
